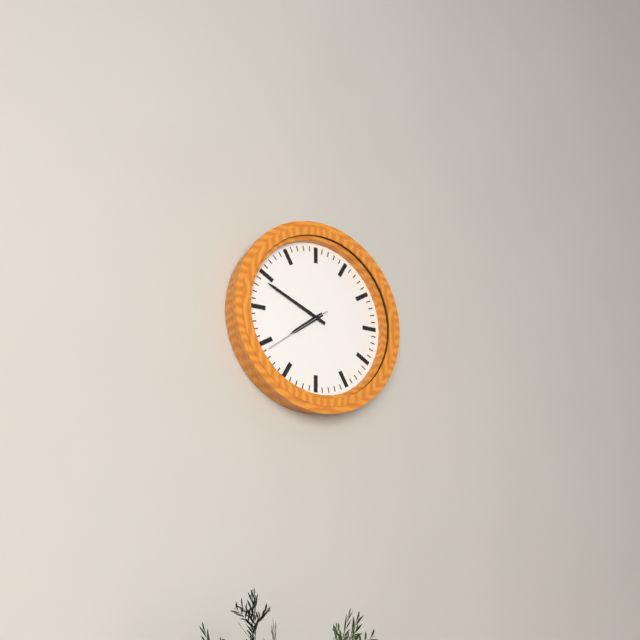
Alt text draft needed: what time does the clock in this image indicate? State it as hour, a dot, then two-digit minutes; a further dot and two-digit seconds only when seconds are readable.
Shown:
7.49.39
